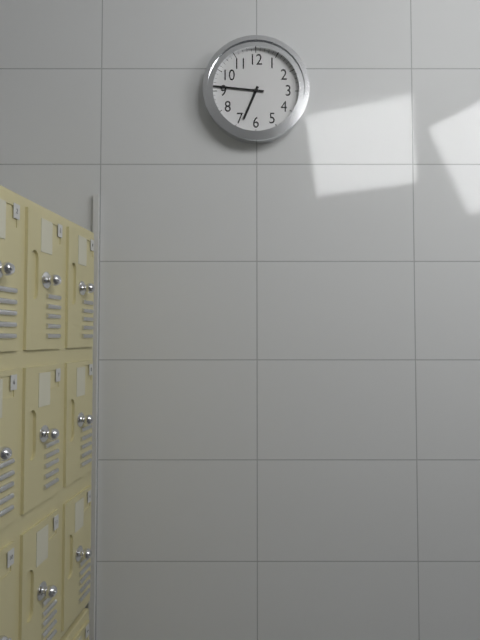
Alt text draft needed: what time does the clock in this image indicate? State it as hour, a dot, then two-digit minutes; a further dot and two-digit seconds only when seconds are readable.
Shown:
6.46
